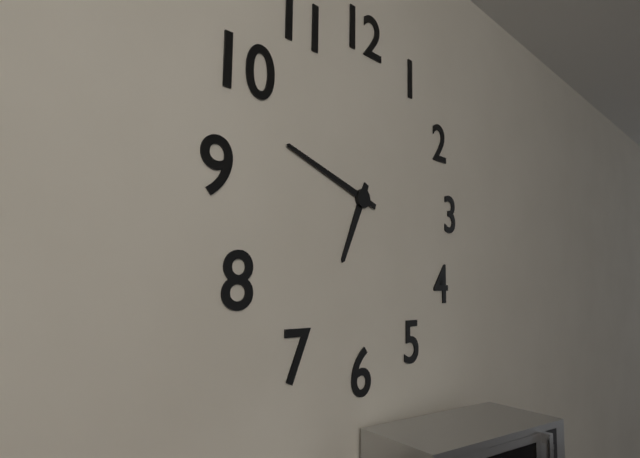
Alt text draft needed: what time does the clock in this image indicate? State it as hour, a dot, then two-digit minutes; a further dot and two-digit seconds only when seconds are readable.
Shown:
6.48
